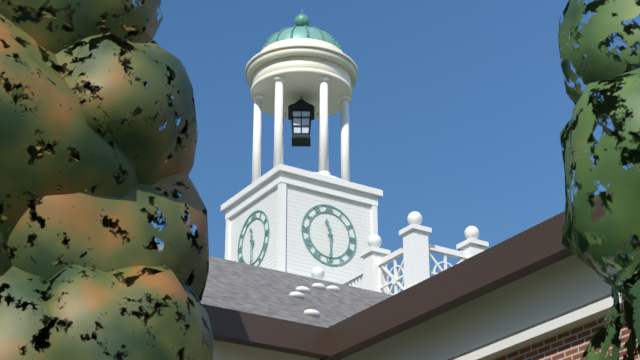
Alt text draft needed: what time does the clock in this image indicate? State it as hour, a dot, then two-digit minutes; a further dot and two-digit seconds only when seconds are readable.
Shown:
11.30
